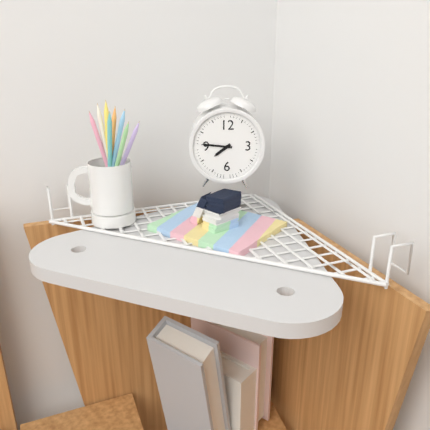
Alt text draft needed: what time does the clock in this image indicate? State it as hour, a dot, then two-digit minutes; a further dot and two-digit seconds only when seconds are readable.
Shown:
7.46
